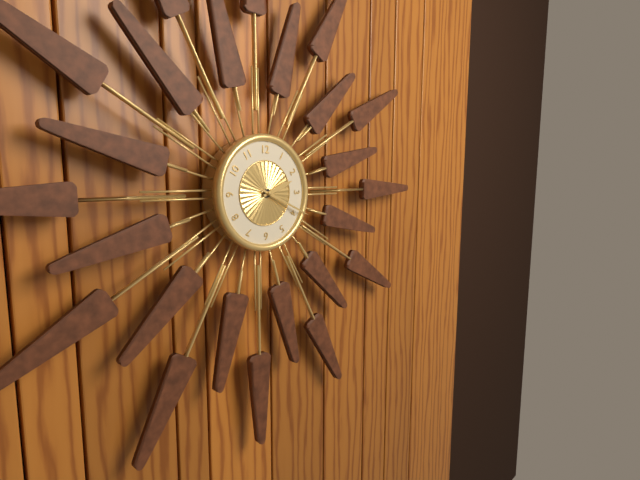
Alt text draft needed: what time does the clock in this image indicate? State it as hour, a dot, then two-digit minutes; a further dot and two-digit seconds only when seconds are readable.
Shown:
2.19
